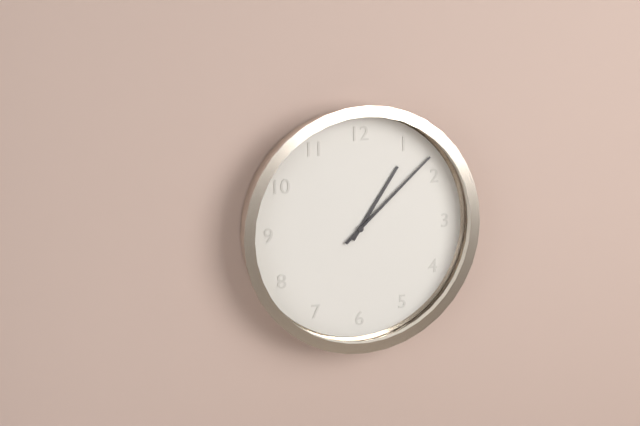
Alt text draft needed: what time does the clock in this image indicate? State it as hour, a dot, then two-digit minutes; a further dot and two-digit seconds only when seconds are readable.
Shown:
1.08
